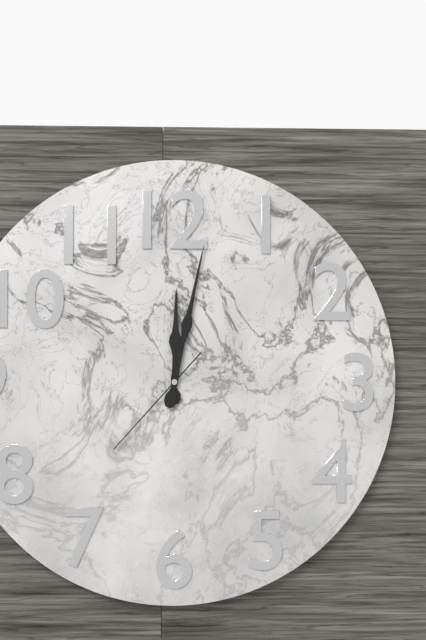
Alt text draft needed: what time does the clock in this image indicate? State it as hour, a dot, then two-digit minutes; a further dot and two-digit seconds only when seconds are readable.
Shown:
12.02.37
